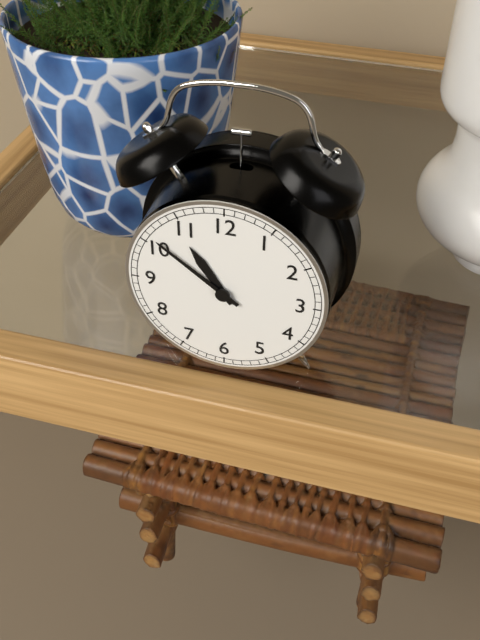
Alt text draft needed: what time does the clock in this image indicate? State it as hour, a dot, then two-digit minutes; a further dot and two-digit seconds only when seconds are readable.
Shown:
10.51
